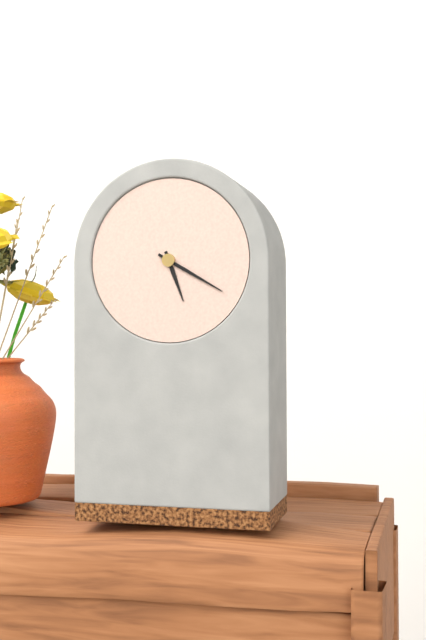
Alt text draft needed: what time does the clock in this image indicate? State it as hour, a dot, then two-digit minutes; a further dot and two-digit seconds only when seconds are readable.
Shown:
5.20
